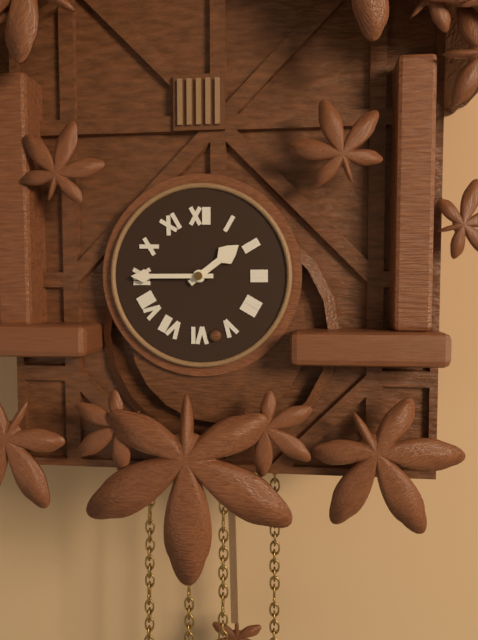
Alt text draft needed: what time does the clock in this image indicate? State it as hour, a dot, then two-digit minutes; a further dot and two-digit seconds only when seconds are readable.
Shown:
1.45
